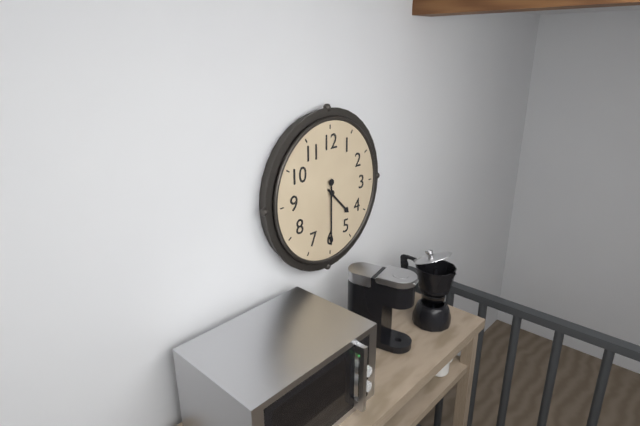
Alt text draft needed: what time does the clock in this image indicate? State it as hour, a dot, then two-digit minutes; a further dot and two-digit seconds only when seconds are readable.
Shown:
4.30
